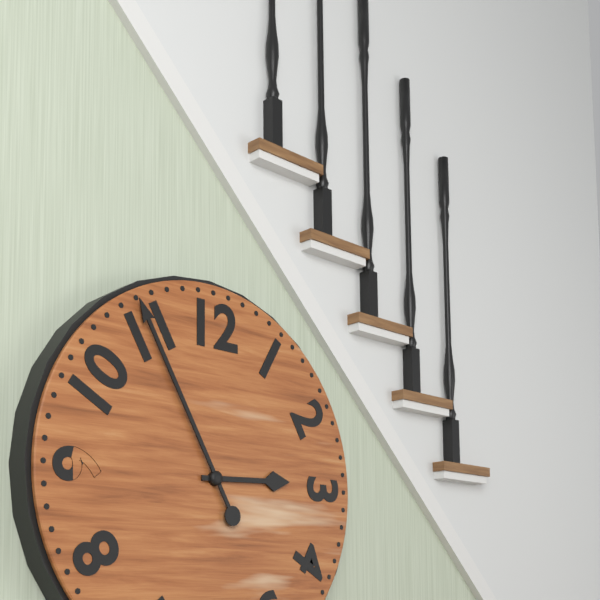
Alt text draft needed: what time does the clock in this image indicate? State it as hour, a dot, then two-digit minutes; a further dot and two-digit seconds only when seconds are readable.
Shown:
2.55
